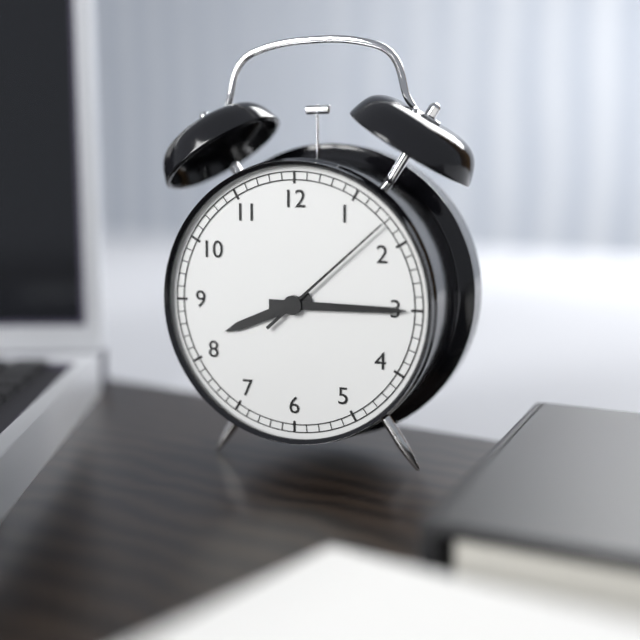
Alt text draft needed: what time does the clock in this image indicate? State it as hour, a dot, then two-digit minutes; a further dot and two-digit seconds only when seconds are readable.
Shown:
8.15.08
